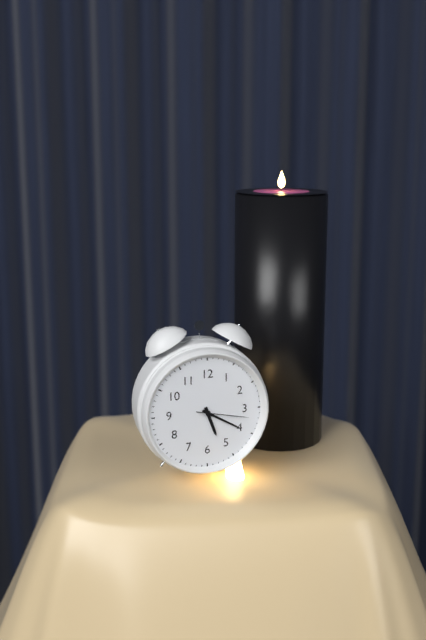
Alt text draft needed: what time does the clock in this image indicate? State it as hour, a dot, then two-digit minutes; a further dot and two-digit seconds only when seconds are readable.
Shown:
5.20.17
